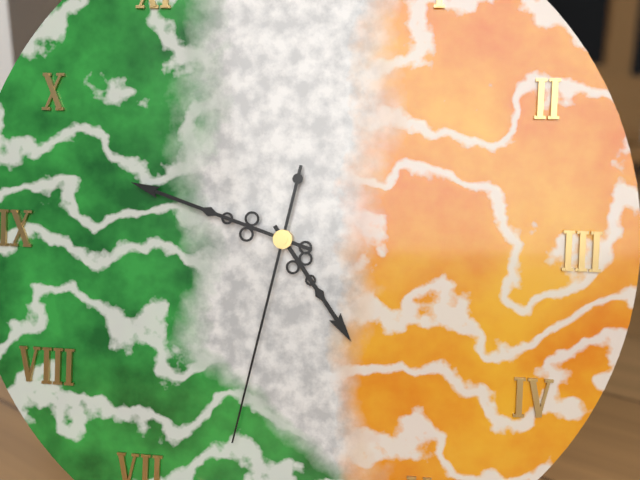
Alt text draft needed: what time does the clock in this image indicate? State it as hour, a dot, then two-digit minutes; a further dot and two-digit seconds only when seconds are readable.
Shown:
4.48.32
